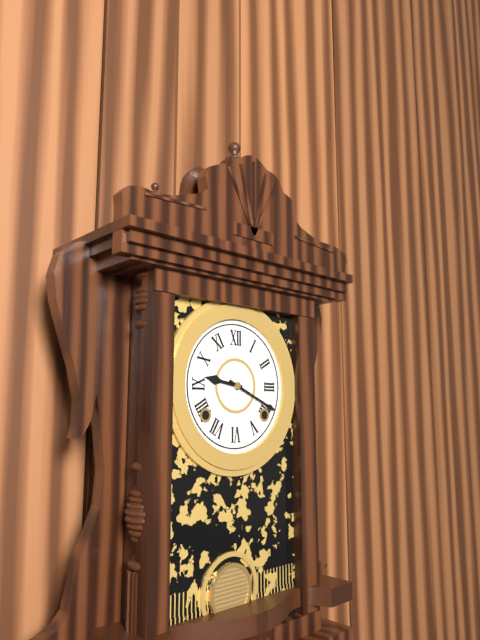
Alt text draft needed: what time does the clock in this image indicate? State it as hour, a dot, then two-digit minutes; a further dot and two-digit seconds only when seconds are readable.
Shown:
9.19
